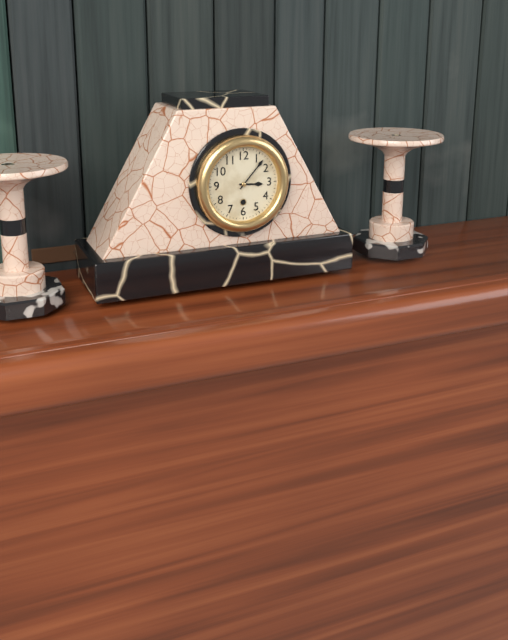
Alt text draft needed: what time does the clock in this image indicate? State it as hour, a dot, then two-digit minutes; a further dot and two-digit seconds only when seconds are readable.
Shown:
3.07
